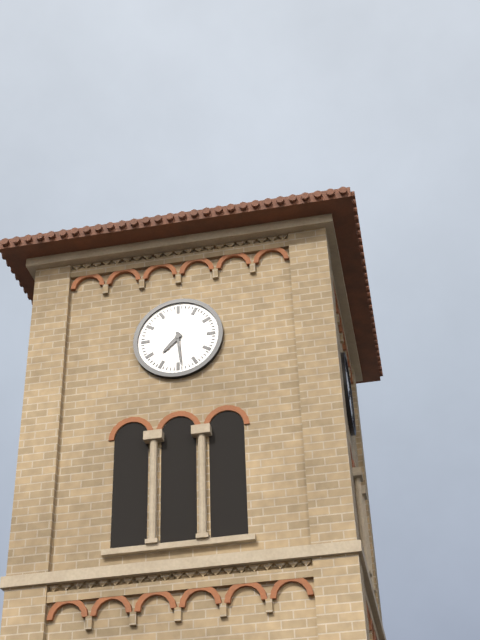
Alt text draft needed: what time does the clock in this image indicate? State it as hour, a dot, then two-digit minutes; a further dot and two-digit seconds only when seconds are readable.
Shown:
7.29
